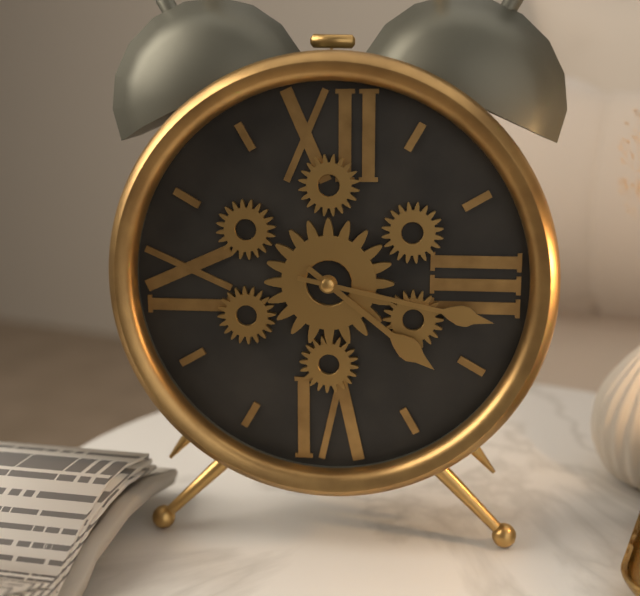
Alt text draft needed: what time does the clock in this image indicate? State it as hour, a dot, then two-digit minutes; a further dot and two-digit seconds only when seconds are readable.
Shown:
4.17
